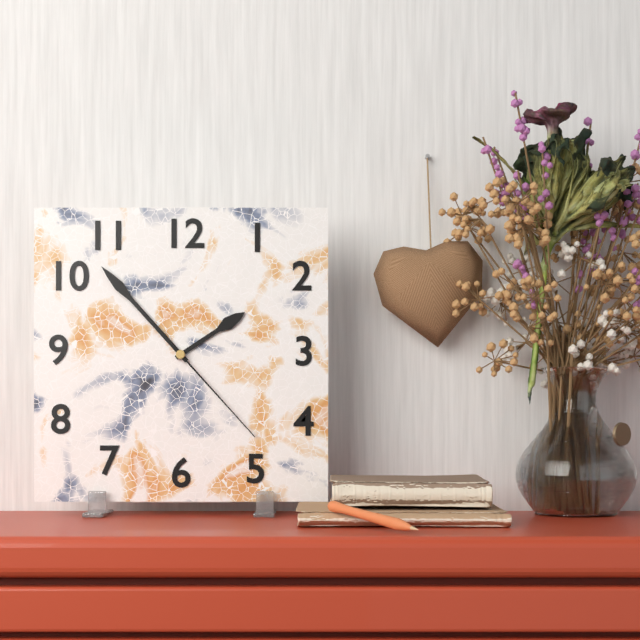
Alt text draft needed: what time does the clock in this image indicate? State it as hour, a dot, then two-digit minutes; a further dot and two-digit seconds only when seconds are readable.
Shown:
1.53.23
